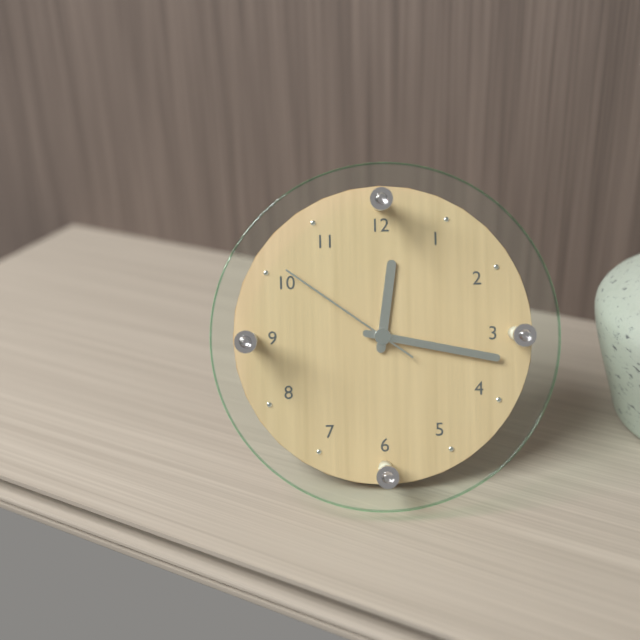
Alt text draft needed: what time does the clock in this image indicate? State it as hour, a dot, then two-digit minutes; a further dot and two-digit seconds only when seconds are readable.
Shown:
12.17.51
